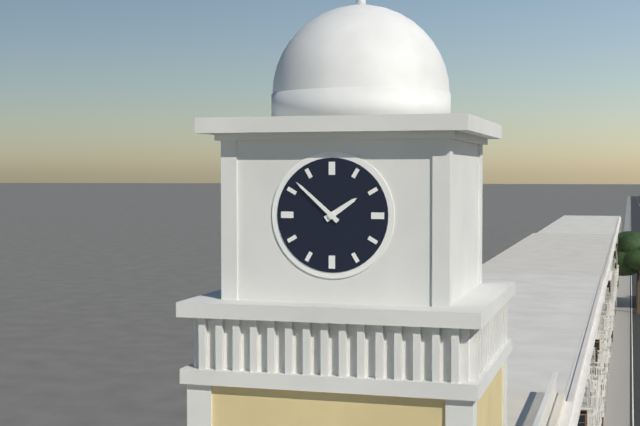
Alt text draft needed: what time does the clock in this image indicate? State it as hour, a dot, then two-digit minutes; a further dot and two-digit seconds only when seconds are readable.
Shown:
1.52
